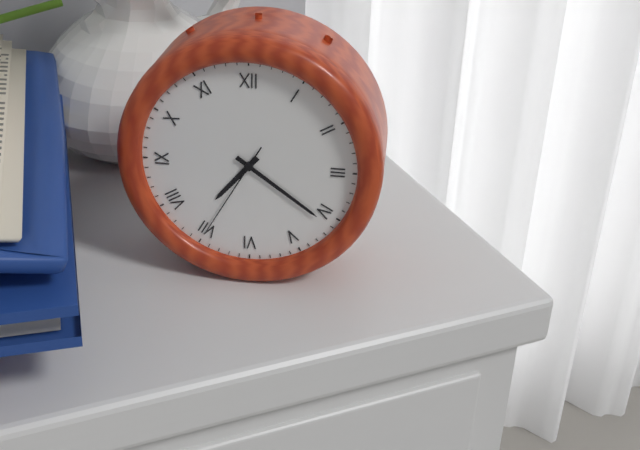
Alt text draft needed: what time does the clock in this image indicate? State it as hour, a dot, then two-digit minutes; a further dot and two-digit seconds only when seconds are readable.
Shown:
7.21.35
